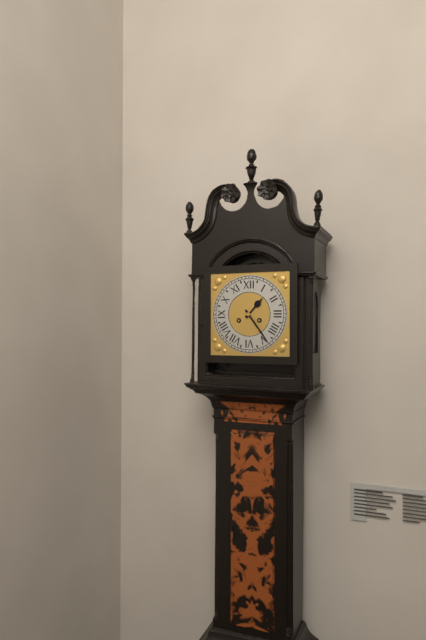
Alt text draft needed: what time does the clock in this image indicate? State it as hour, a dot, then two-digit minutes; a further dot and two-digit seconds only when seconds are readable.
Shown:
1.24
